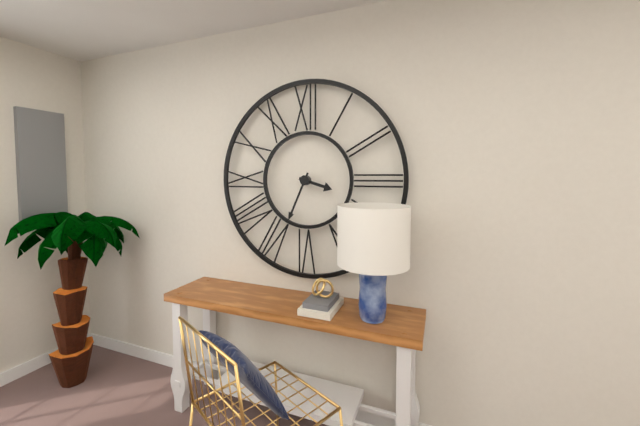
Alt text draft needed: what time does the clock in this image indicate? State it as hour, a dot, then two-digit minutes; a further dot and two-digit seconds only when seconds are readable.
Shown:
3.34
